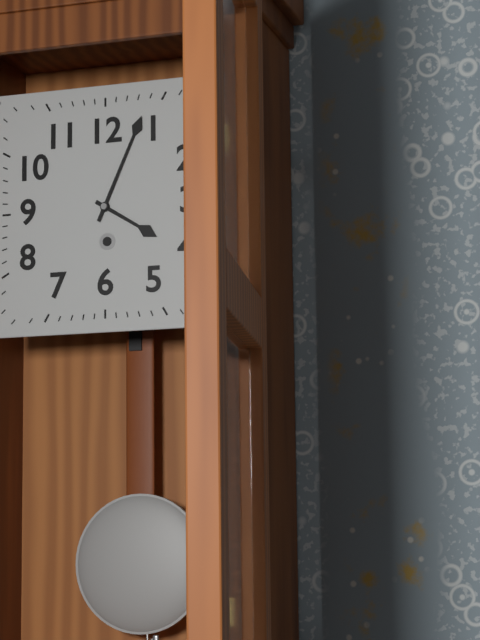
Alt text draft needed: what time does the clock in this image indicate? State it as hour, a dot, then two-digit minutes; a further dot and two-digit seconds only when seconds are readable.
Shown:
4.04
